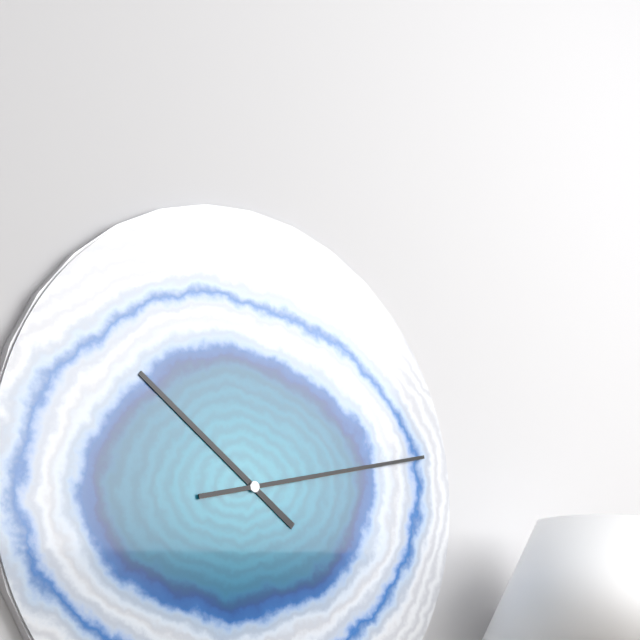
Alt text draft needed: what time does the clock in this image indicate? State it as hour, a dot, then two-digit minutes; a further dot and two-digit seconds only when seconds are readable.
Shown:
10.13
